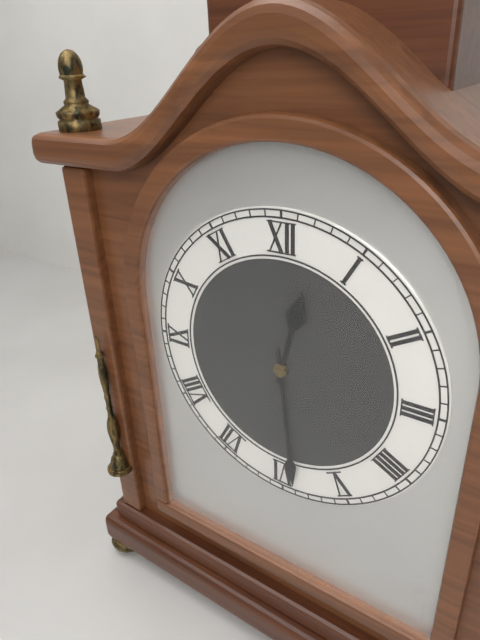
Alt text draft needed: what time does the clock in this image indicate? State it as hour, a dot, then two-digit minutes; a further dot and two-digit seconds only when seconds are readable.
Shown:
12.29
